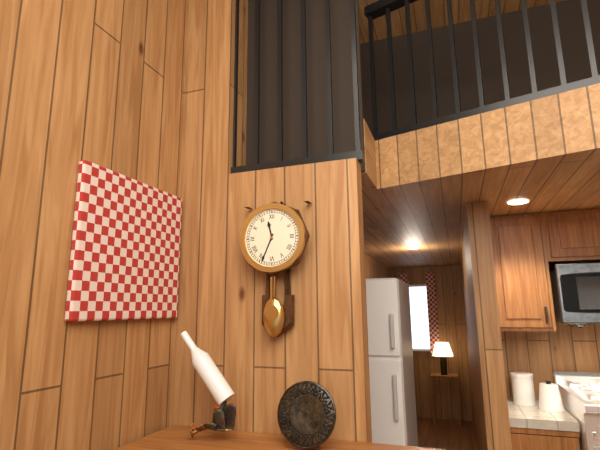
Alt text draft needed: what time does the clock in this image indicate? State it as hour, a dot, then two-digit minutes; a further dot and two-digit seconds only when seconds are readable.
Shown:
11.34
